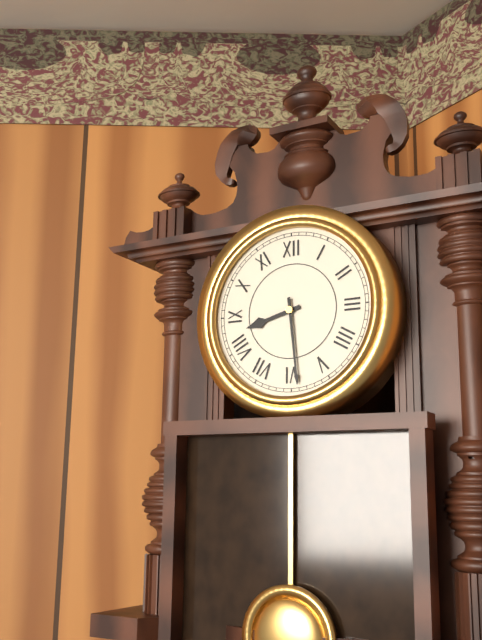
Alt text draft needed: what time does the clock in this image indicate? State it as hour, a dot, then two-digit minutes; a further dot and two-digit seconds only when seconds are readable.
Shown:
8.29
